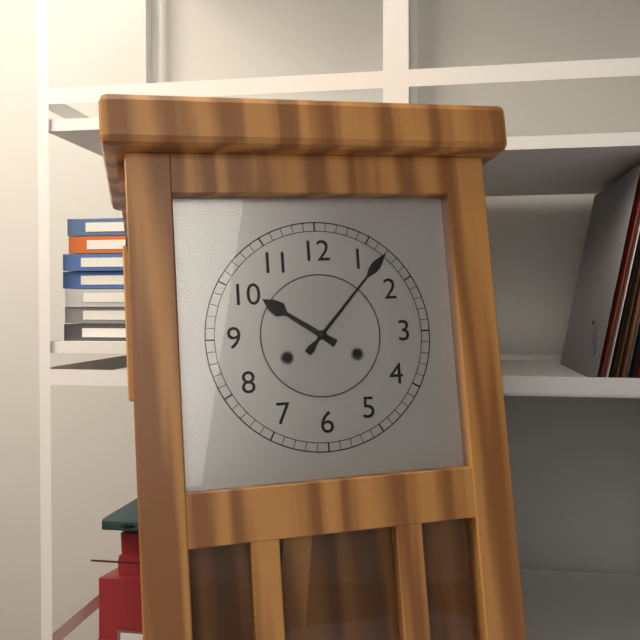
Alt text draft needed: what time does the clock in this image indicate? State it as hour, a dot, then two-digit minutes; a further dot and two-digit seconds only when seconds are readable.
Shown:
10.07
